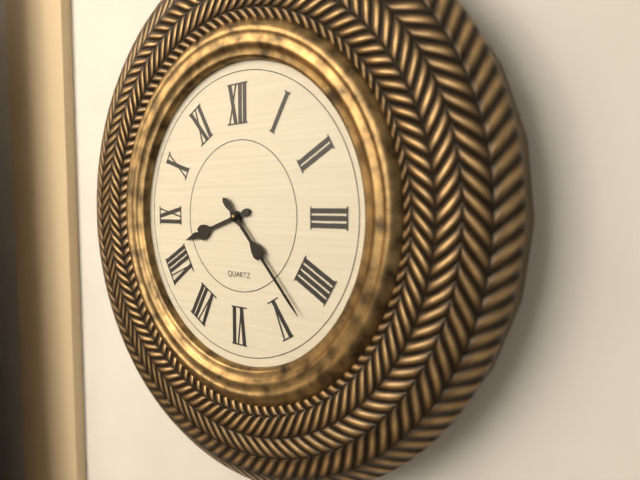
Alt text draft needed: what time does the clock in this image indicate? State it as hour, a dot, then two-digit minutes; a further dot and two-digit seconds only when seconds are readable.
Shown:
8.23
